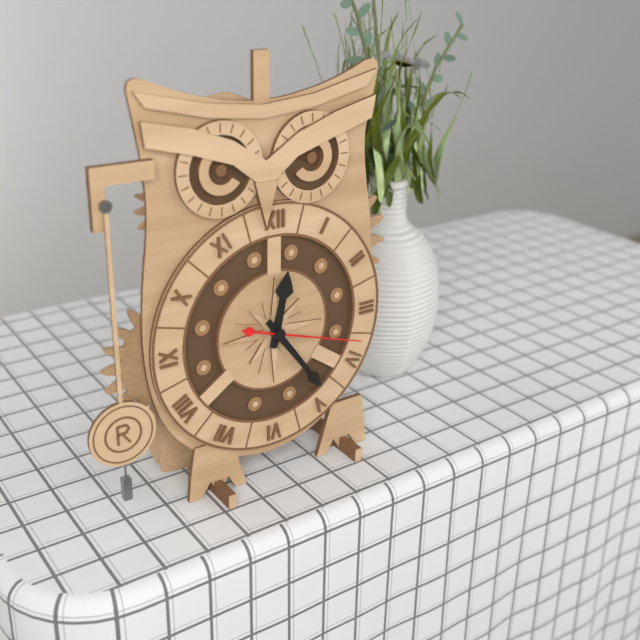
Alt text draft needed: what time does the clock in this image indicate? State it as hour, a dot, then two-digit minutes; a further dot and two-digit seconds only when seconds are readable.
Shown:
12.24.18
